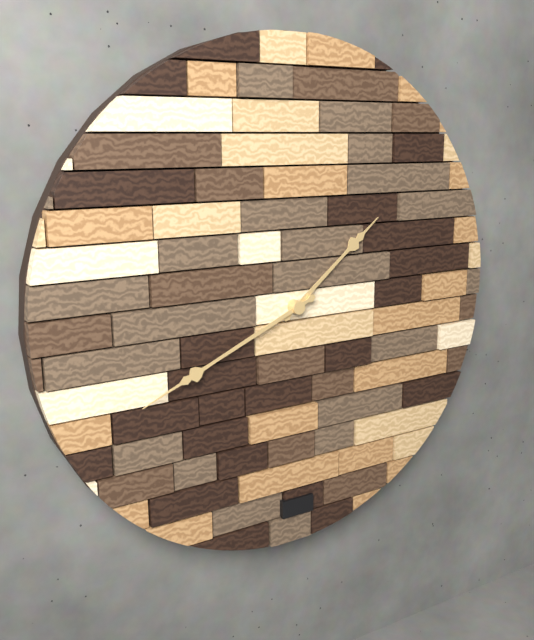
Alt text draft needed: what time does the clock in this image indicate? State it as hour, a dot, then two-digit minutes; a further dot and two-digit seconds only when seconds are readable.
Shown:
1.41
